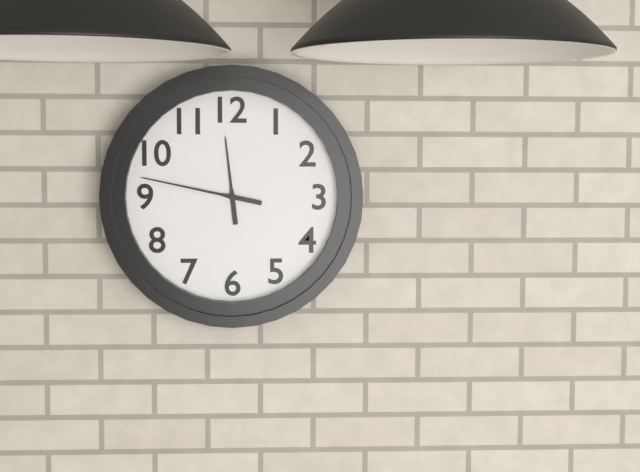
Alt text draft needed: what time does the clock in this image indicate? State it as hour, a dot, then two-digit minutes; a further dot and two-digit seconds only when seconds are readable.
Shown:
11.47
